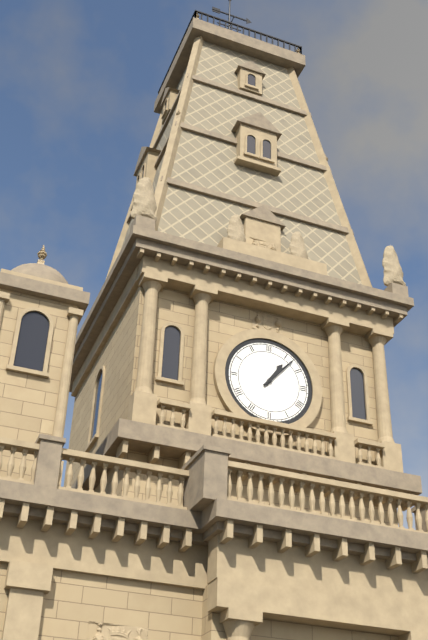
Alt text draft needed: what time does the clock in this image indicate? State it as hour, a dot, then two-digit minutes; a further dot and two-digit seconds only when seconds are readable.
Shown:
1.07
